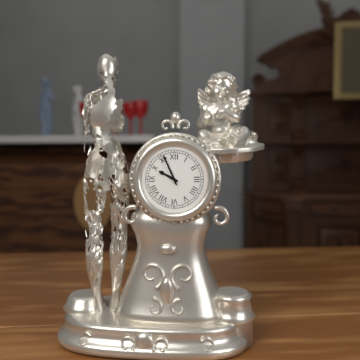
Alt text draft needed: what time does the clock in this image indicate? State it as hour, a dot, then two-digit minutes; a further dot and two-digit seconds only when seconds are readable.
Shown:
9.56
